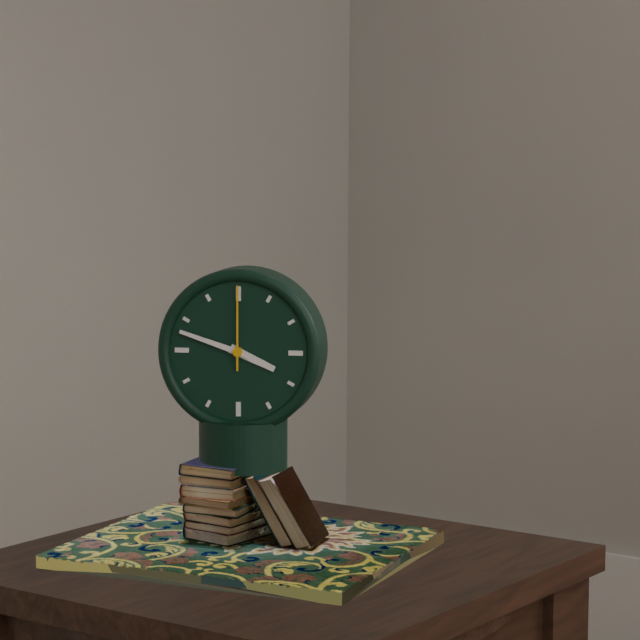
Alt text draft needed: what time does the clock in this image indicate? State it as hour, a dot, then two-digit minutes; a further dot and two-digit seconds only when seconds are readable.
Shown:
3.48.00
